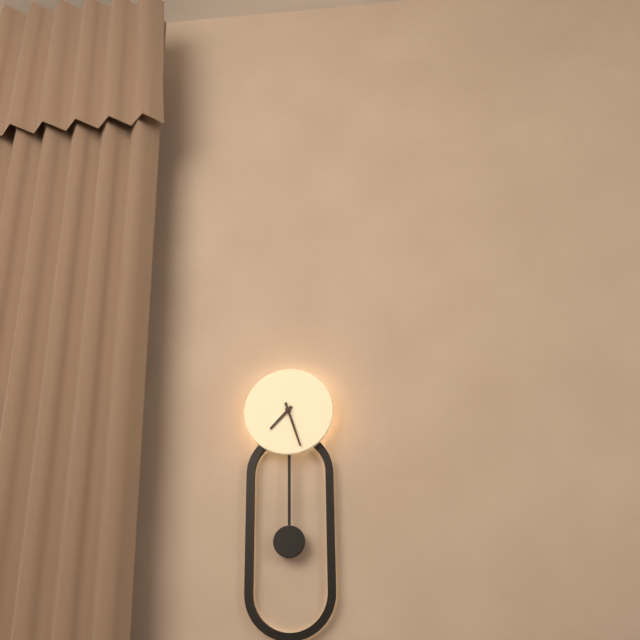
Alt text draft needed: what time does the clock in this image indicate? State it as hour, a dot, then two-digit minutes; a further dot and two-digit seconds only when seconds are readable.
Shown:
7.27
